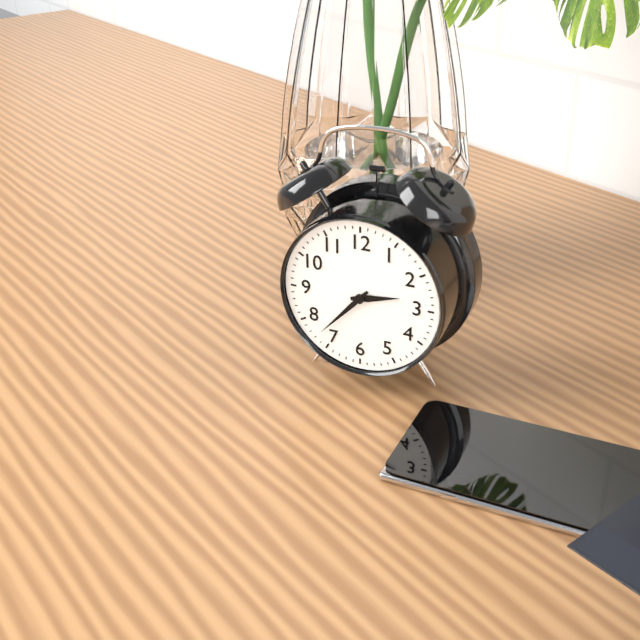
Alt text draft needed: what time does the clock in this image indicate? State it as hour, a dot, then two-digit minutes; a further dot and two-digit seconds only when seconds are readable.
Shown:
2.37
